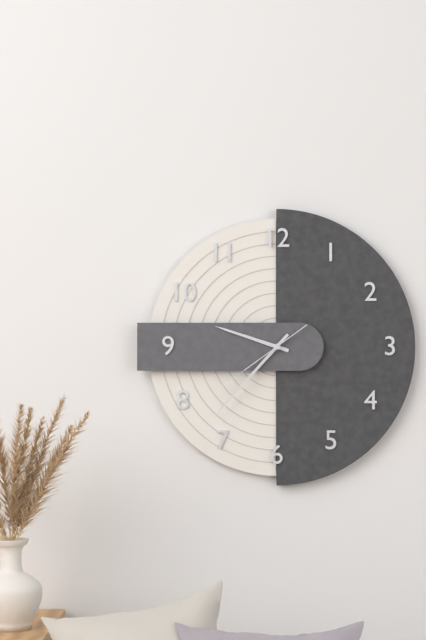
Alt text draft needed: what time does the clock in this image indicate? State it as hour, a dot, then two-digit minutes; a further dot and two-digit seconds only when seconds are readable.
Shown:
9.37.39
